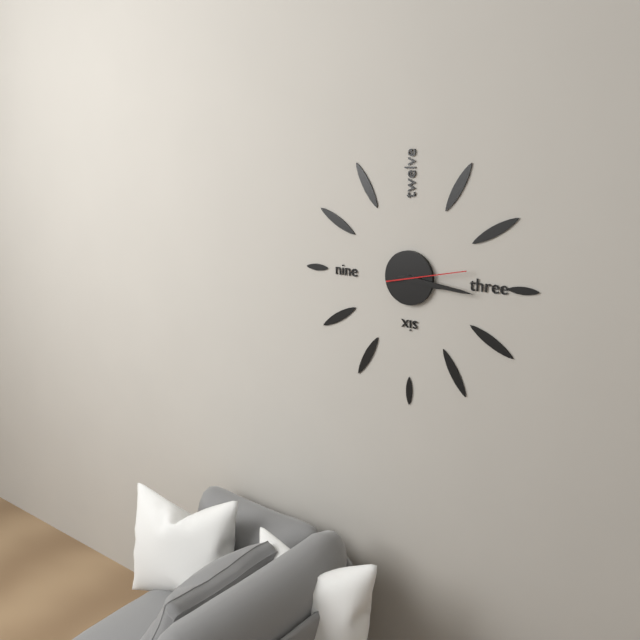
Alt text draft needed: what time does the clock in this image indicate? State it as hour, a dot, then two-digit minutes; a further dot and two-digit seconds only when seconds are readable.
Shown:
3.16.13
